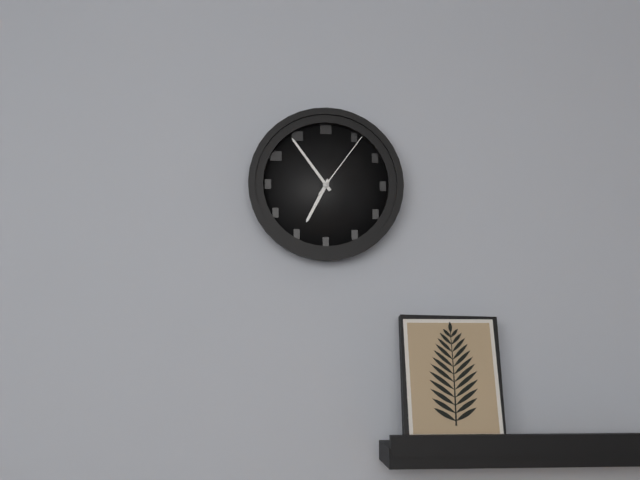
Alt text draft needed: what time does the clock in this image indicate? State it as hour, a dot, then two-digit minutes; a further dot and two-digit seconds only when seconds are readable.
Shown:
6.54.06
